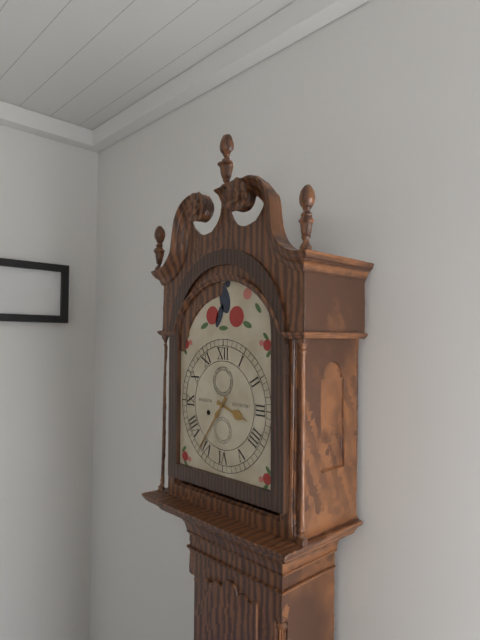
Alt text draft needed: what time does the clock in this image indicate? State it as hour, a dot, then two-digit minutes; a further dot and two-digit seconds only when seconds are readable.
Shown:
3.36
